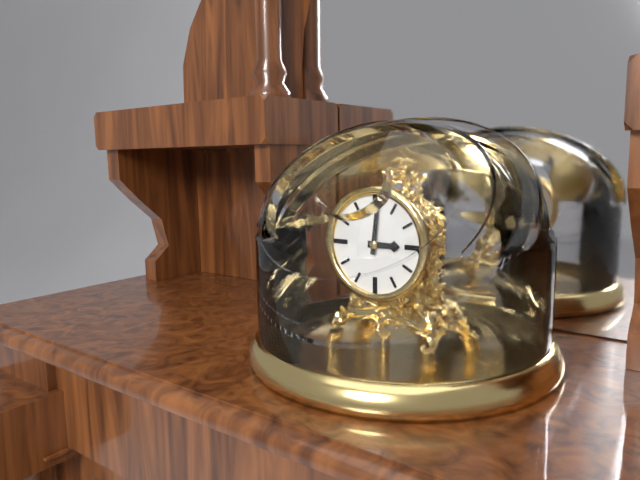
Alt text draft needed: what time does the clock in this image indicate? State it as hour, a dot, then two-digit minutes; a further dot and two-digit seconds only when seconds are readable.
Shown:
3.01
